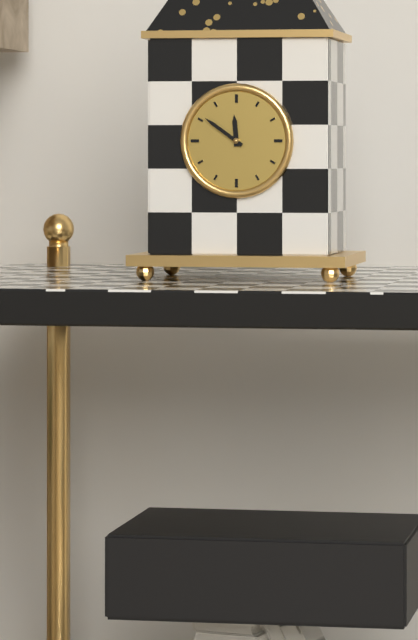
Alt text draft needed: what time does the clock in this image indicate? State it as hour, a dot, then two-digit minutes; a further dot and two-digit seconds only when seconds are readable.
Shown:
11.51
